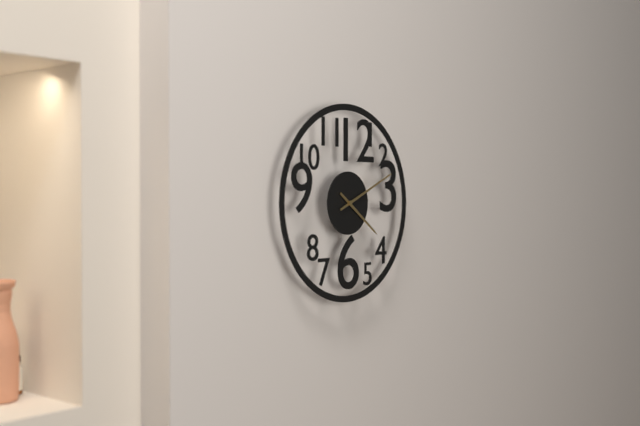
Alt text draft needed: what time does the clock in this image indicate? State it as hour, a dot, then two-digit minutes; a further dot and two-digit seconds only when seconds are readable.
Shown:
4.11
